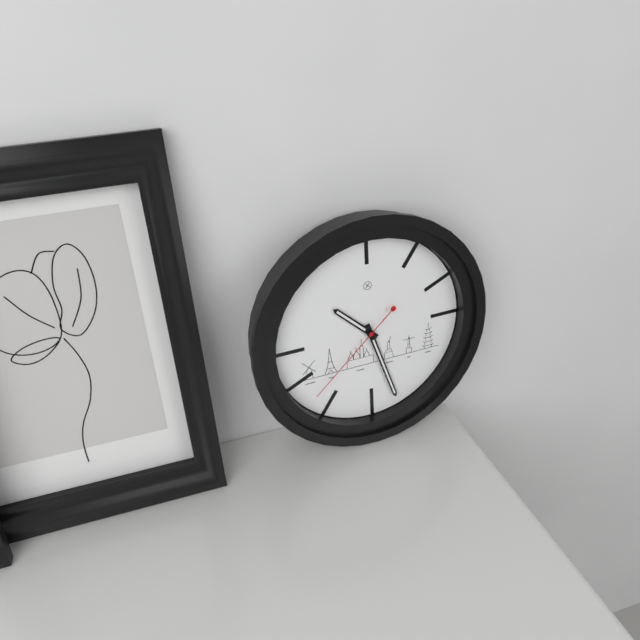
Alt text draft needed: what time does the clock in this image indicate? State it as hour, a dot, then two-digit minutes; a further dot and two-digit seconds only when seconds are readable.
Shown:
10.27.38
